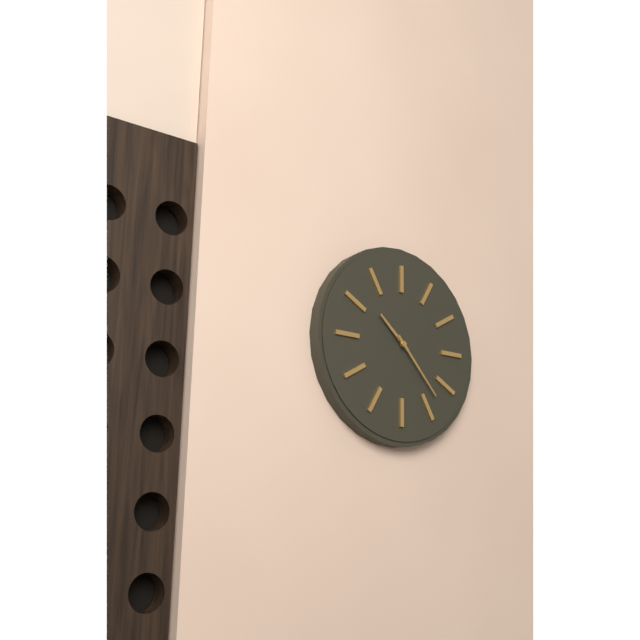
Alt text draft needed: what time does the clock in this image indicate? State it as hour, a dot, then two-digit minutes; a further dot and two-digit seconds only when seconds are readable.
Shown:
10.23
